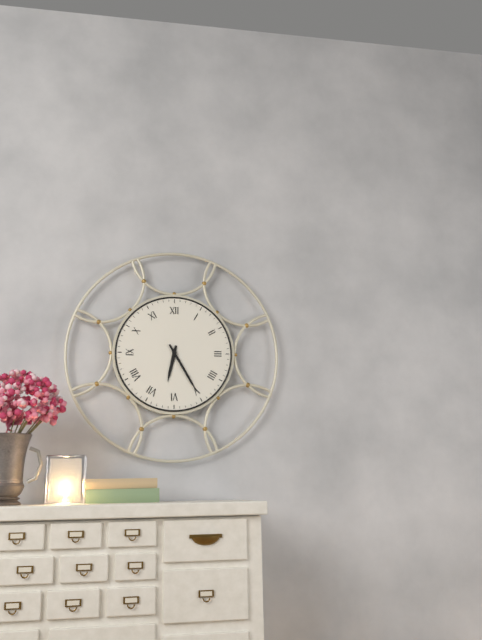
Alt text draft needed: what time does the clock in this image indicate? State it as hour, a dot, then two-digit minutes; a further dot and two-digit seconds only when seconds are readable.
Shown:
6.25
